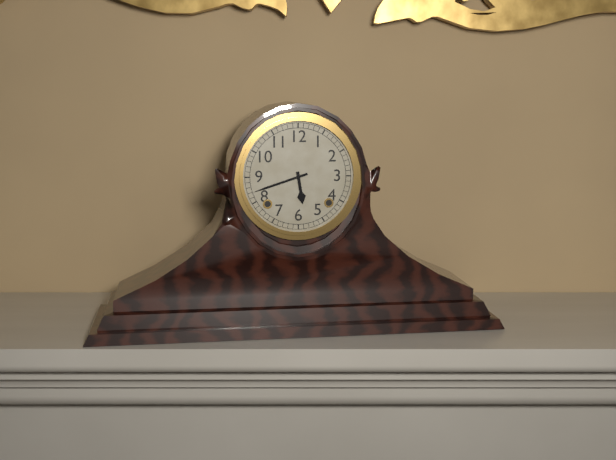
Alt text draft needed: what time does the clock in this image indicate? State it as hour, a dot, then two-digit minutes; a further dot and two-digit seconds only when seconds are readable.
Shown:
5.42
